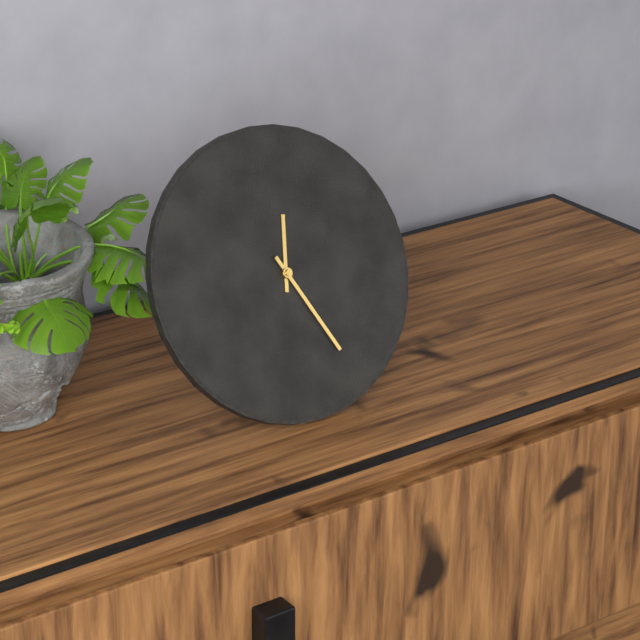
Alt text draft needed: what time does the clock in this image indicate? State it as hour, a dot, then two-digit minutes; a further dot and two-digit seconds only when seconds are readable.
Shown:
12.26
